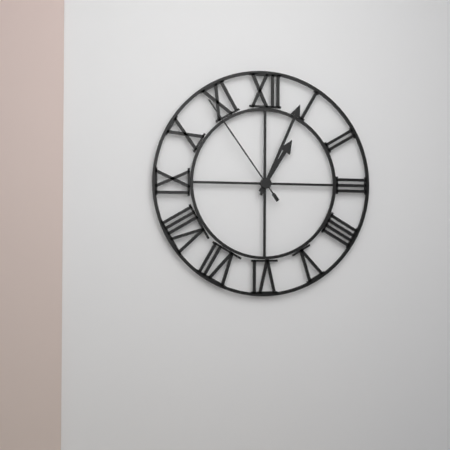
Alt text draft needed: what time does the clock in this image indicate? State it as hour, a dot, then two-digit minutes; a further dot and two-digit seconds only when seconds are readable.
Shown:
1.04.54
